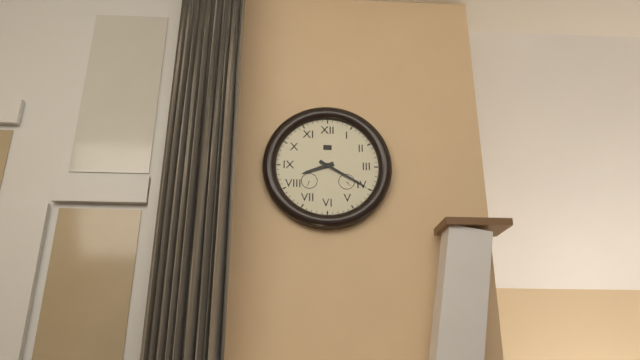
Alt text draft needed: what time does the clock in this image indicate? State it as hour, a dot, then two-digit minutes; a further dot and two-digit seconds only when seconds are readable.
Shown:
8.20
